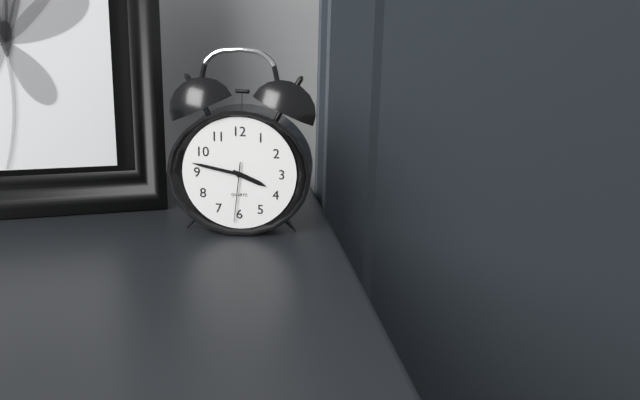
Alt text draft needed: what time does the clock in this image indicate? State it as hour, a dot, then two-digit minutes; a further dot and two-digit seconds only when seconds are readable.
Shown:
3.47.31
